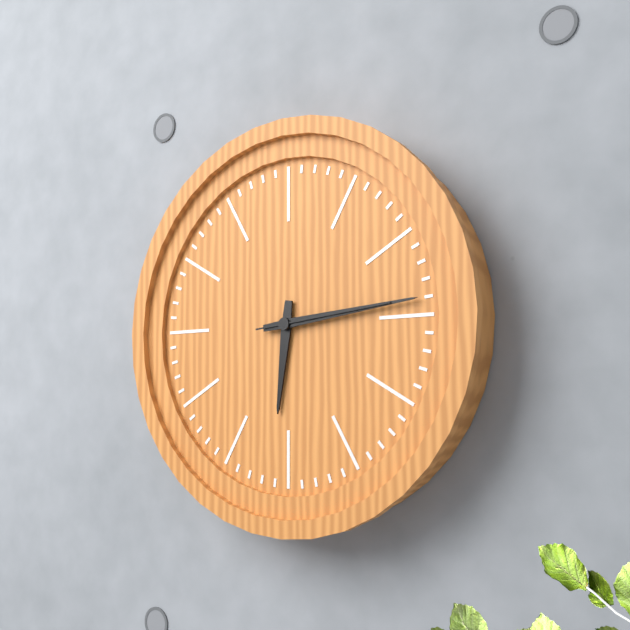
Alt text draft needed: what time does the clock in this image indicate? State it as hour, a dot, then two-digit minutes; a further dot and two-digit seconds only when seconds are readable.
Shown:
6.14.14
